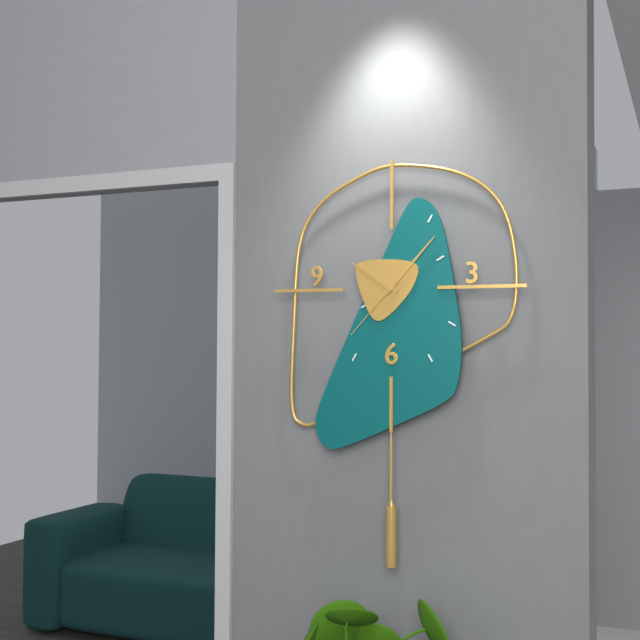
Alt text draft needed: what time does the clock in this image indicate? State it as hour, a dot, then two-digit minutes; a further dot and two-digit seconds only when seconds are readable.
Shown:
10.07.37
